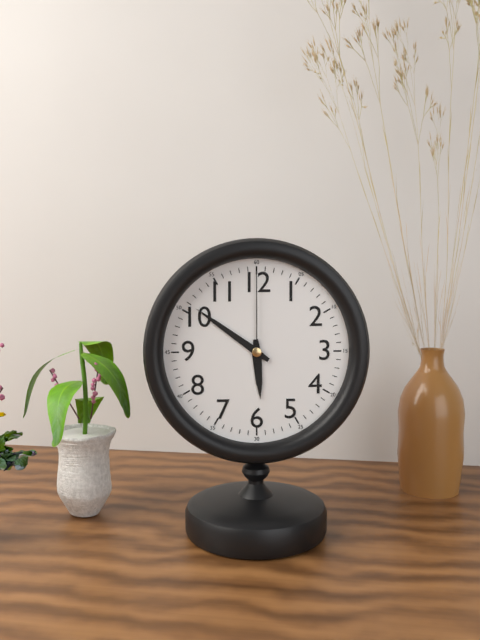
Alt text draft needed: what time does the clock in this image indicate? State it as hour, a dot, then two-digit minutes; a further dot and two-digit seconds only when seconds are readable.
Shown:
5.51.00
